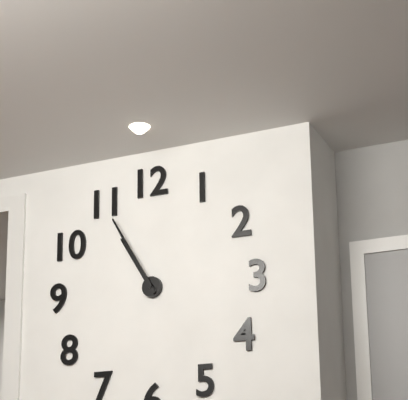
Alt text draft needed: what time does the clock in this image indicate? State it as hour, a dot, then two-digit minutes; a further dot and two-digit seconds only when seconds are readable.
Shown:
10.55
